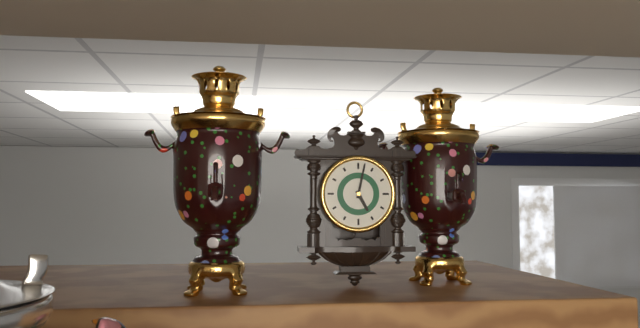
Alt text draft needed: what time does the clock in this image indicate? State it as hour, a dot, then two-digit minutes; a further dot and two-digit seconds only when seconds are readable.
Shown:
5.02
